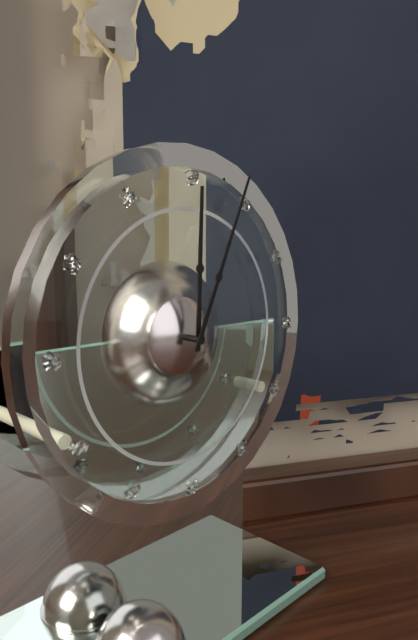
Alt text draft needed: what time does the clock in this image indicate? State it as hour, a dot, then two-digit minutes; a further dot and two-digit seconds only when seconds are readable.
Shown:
12.04
